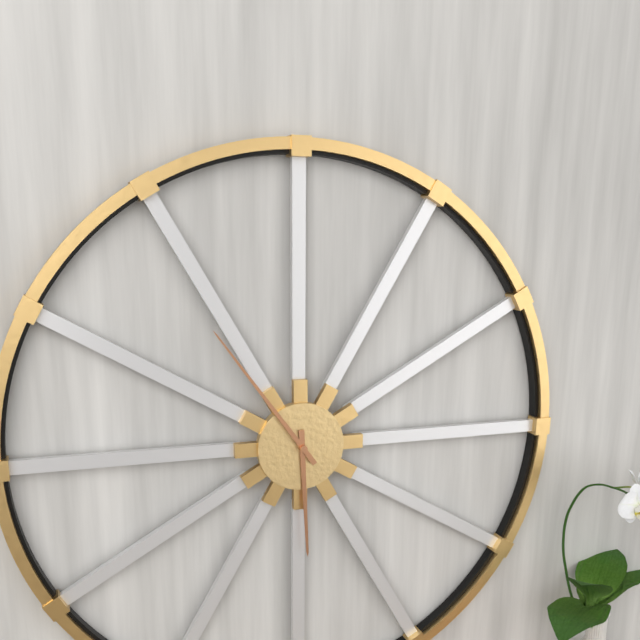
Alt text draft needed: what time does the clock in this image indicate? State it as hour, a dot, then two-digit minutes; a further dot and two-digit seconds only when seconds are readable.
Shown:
5.54
